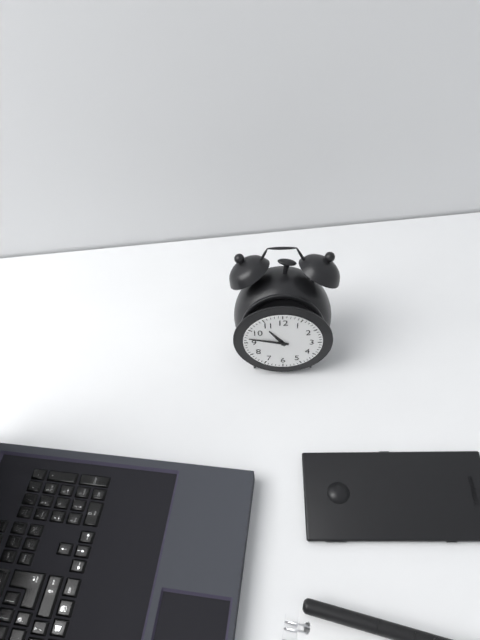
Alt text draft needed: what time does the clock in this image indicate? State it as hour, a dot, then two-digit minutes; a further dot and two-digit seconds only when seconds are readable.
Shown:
10.47
